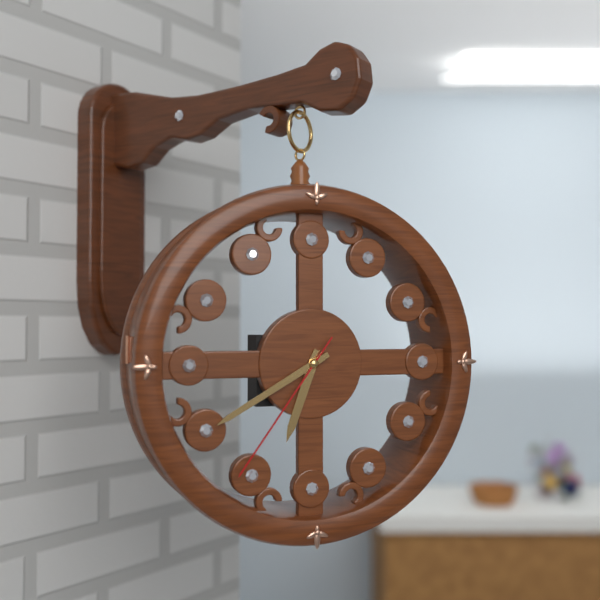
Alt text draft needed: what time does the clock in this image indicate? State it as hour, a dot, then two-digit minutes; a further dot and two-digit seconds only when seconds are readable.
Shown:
6.40.36
